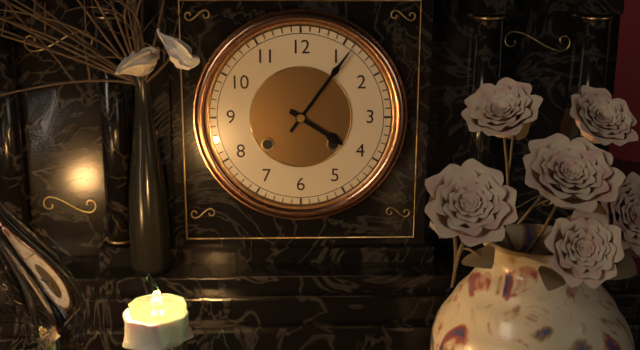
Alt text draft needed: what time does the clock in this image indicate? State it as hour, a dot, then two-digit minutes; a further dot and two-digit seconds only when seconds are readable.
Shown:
4.06
